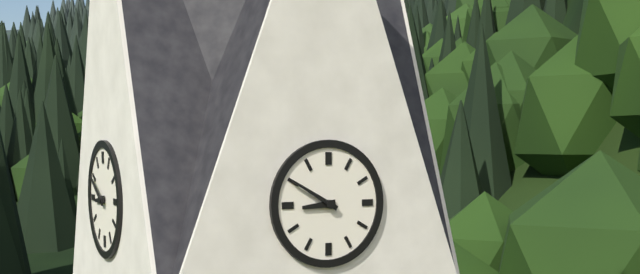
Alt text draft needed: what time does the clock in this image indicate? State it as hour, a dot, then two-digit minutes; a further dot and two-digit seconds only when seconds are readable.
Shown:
8.50
